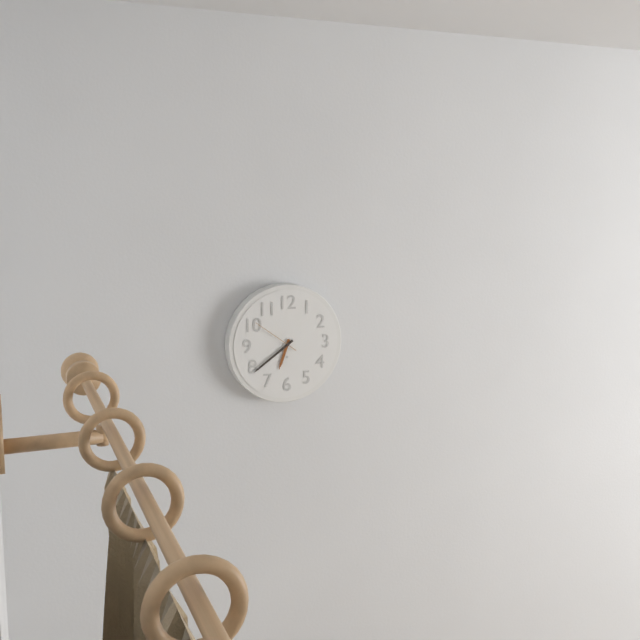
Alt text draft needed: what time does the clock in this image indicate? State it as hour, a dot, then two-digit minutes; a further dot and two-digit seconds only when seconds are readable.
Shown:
6.39
